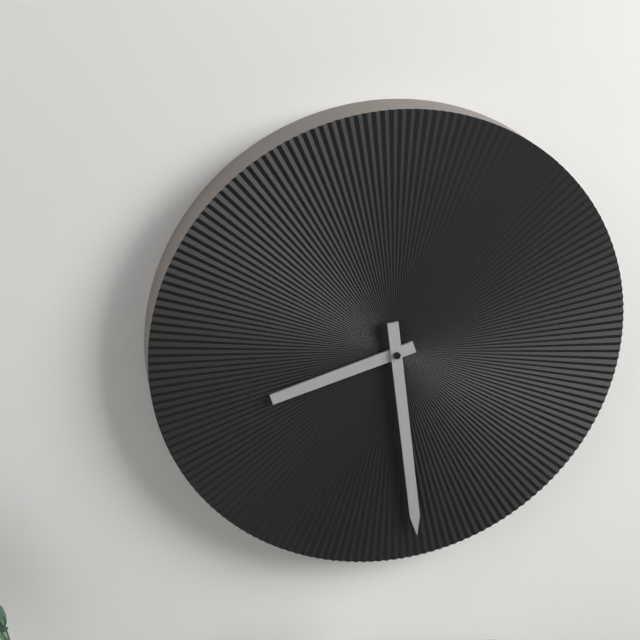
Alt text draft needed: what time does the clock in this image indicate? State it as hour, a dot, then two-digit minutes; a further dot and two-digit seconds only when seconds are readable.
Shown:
8.29
